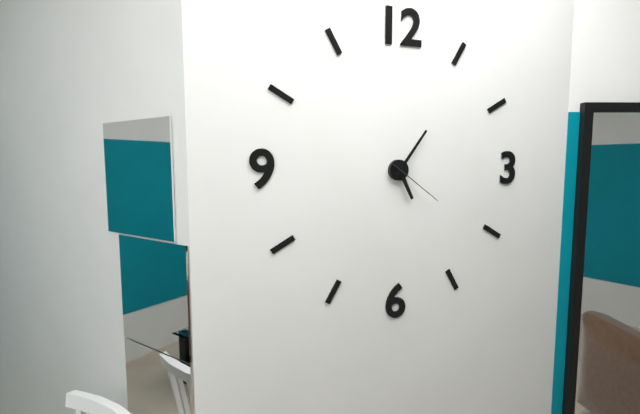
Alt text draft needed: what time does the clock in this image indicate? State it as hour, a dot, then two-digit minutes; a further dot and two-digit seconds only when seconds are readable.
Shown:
5.06.21
